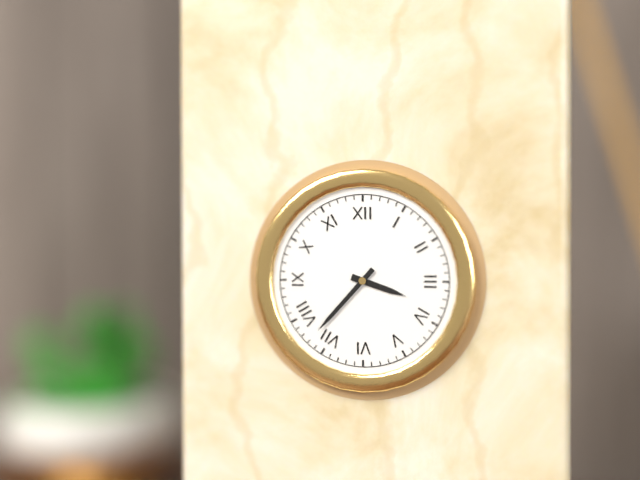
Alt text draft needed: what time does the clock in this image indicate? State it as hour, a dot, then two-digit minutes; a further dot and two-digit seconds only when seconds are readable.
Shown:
3.37
